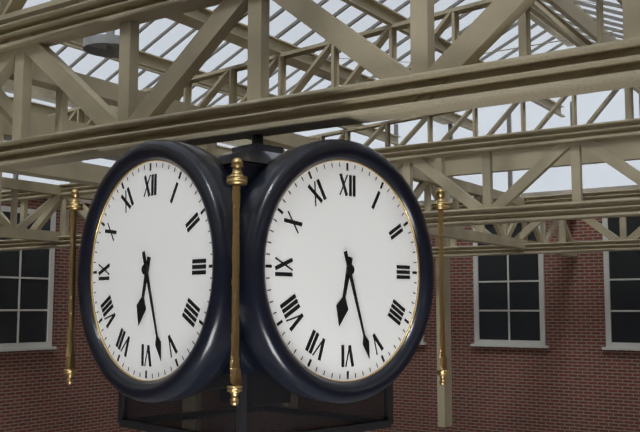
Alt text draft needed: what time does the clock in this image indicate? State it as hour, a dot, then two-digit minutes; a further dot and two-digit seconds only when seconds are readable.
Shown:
6.27
